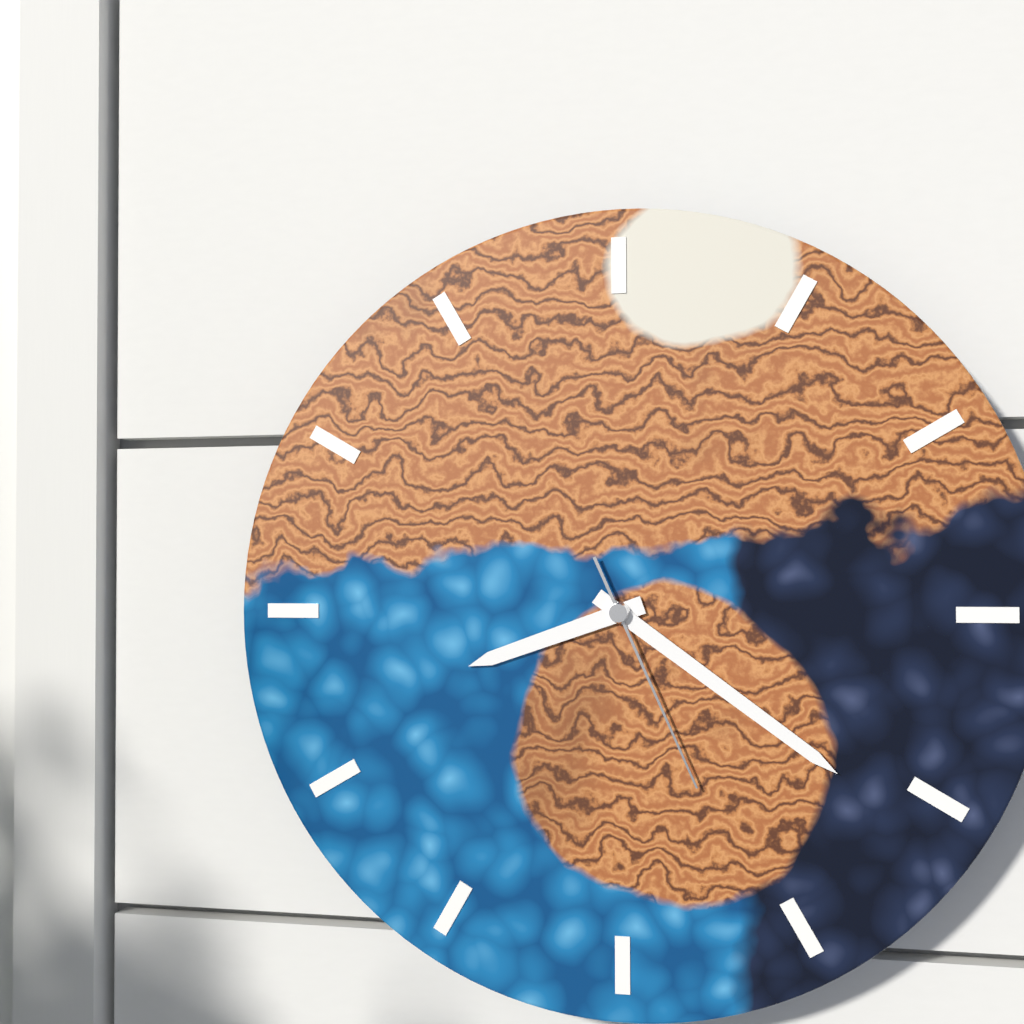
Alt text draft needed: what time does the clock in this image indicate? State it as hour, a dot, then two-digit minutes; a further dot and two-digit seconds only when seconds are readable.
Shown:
8.21.26
